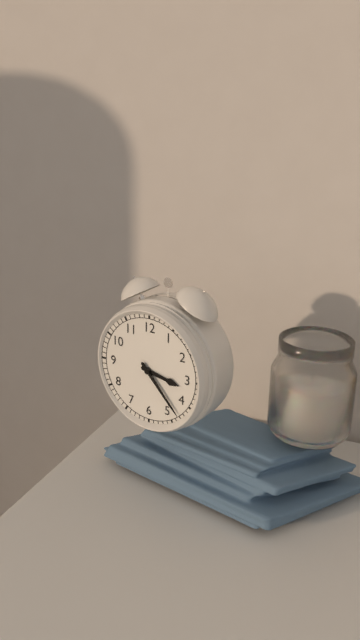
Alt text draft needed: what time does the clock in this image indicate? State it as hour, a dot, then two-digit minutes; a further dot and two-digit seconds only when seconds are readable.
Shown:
3.23
